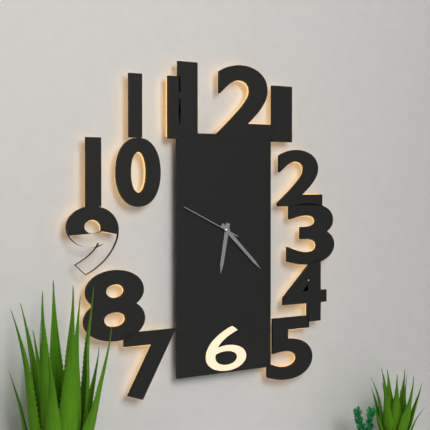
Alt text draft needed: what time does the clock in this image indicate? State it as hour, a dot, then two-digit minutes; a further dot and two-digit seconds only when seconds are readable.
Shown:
6.22.49
